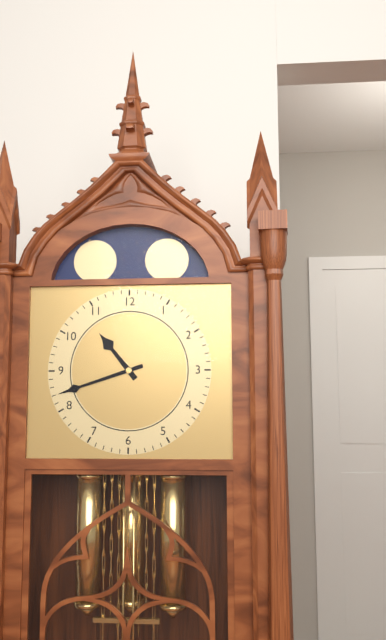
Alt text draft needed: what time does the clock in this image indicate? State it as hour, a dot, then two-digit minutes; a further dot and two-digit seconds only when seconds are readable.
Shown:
10.42
